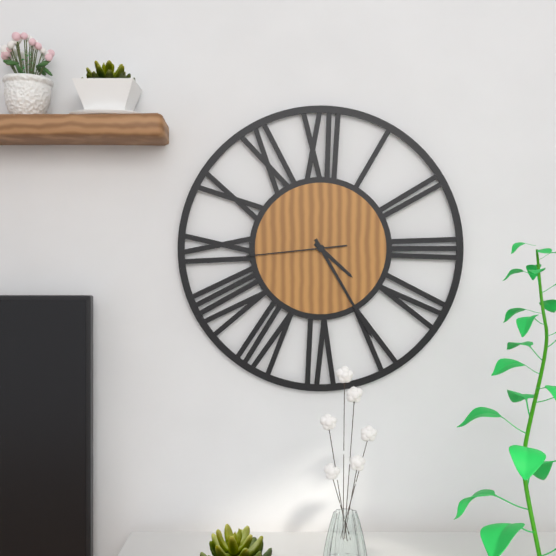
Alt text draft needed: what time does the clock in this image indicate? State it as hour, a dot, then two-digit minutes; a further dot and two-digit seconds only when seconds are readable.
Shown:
4.25.44
